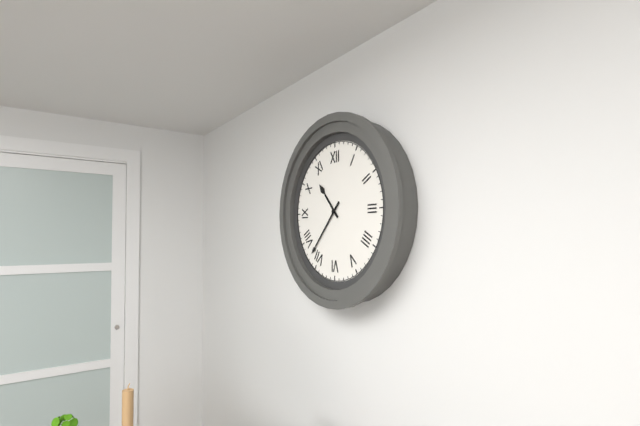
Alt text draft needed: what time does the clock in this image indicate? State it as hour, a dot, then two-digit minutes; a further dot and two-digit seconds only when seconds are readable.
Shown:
10.37
